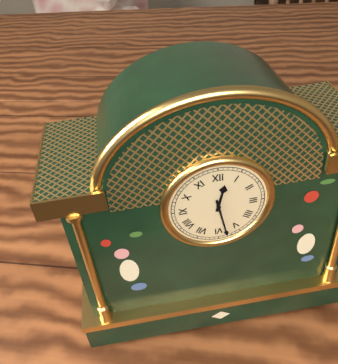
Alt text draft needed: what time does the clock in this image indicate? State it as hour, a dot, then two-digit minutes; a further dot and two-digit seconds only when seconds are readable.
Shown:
12.28
